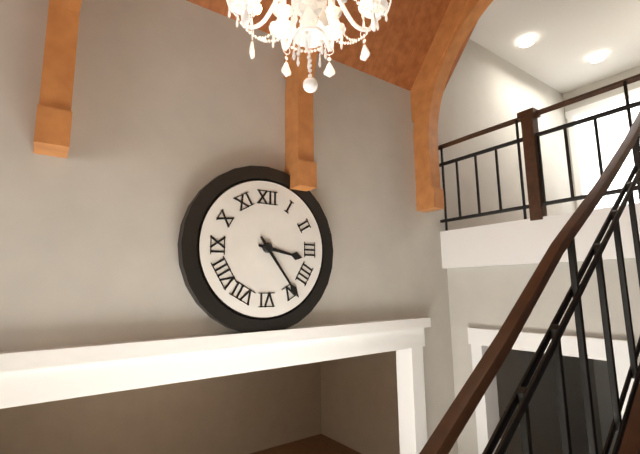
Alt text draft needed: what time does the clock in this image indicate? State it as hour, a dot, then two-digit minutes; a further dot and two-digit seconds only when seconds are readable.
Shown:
3.24
